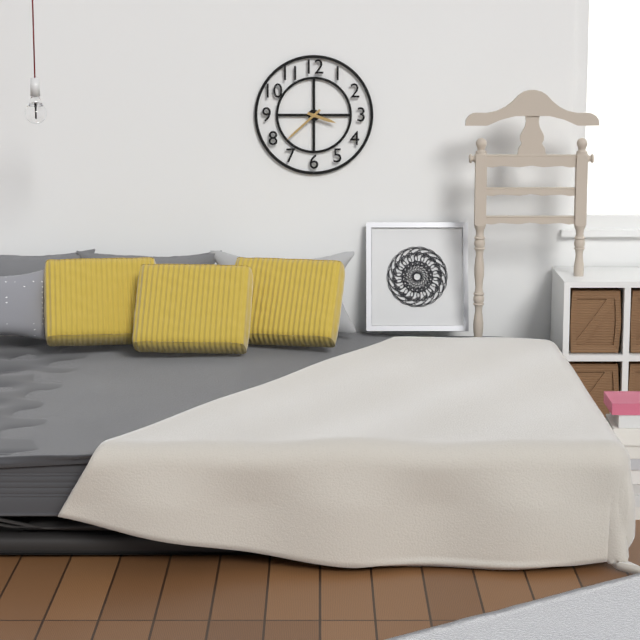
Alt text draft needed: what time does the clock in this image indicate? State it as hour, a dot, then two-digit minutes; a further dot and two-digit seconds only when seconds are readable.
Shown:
3.38
